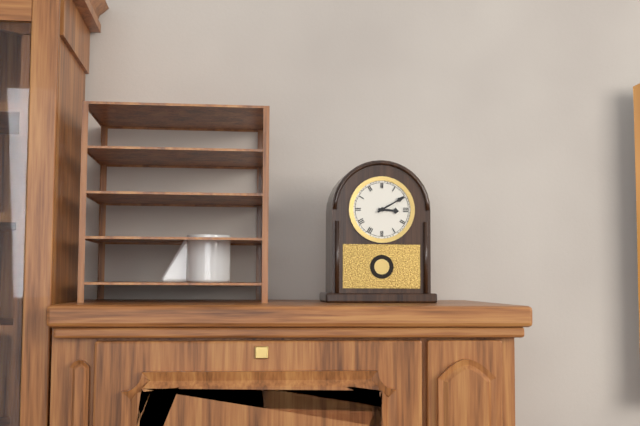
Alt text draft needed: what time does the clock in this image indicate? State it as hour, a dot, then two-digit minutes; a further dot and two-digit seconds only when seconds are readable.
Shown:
3.10
